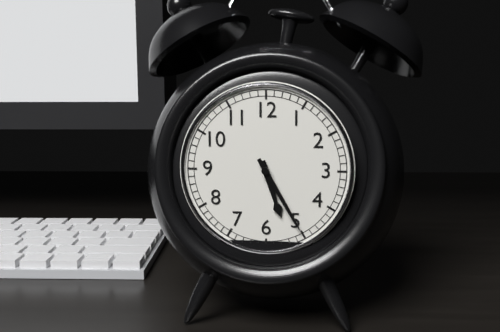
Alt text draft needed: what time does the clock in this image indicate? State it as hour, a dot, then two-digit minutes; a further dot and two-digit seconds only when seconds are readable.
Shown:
5.25
